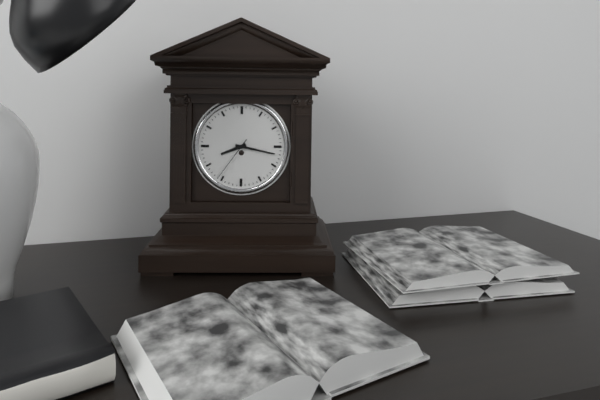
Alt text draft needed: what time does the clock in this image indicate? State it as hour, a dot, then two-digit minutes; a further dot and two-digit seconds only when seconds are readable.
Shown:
8.17
